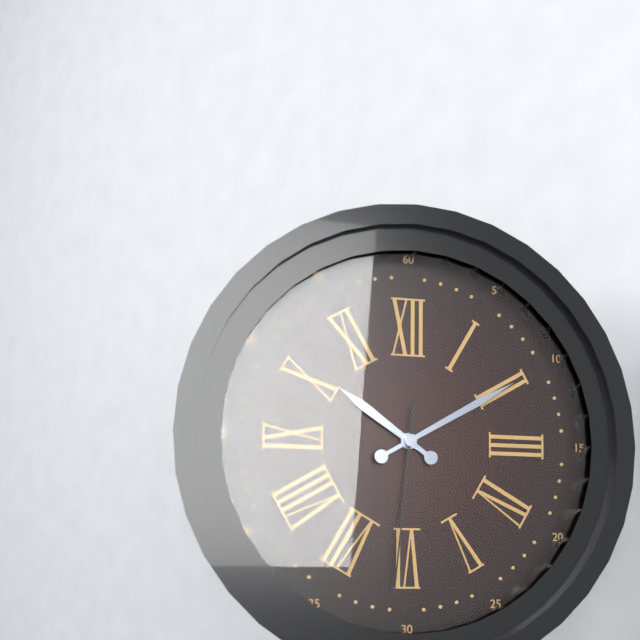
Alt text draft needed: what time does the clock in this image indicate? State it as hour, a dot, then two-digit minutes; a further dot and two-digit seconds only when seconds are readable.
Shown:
10.10.31
